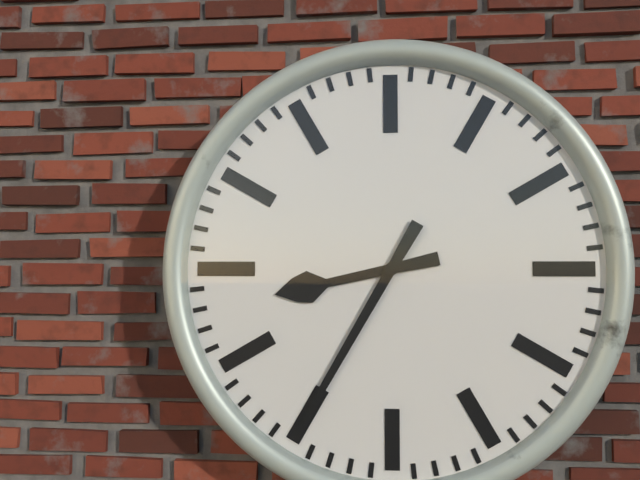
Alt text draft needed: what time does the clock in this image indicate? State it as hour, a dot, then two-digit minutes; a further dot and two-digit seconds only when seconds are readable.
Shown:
8.35
